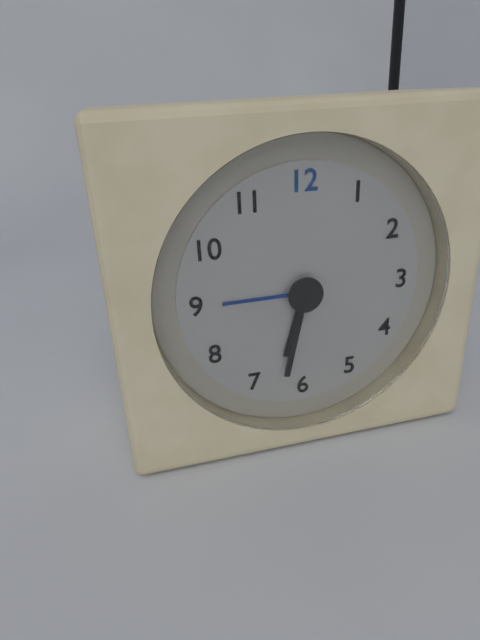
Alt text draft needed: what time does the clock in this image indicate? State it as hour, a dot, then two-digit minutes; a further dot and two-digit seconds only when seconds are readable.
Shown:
6.32
